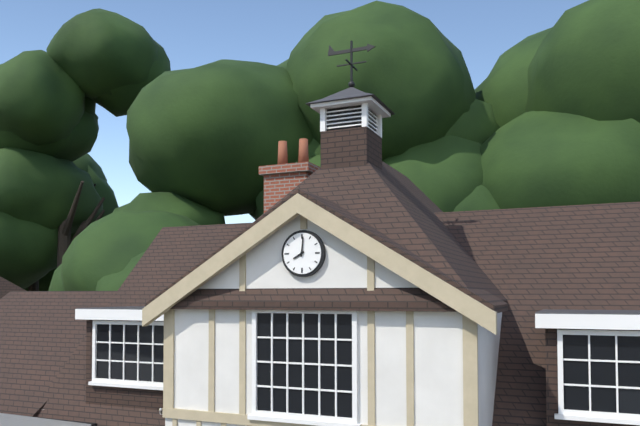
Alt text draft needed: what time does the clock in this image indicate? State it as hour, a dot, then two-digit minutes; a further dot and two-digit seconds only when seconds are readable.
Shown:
8.01
